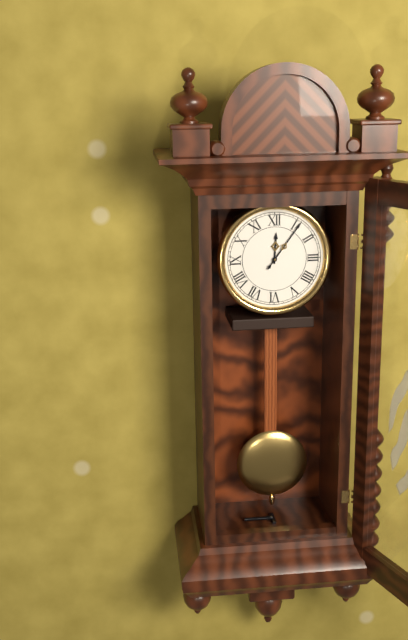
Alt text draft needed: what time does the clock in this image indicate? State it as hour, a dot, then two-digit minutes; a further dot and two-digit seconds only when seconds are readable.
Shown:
12.06
